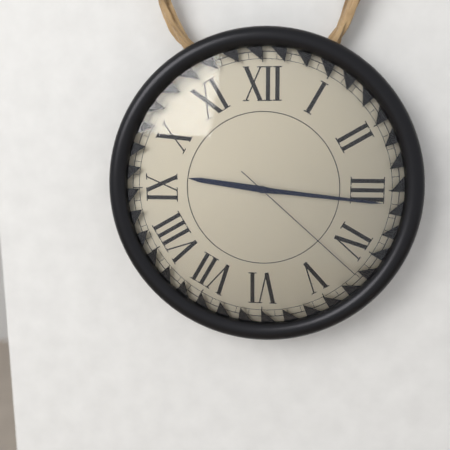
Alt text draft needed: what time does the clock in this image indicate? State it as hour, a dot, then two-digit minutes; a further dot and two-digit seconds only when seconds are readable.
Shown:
9.16.22
